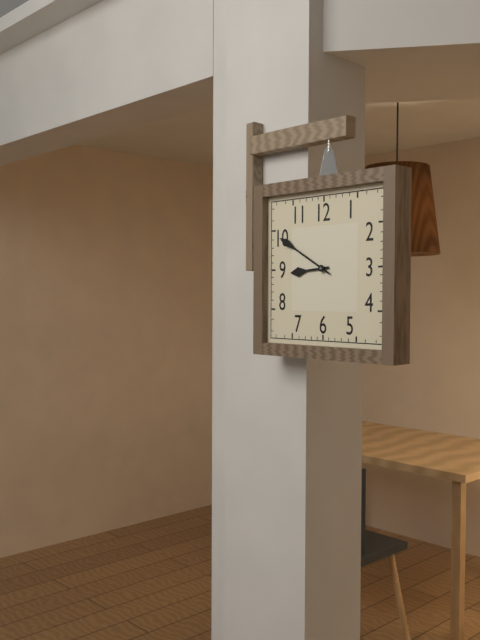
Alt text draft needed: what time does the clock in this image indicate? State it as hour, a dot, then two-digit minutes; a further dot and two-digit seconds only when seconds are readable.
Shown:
8.50
